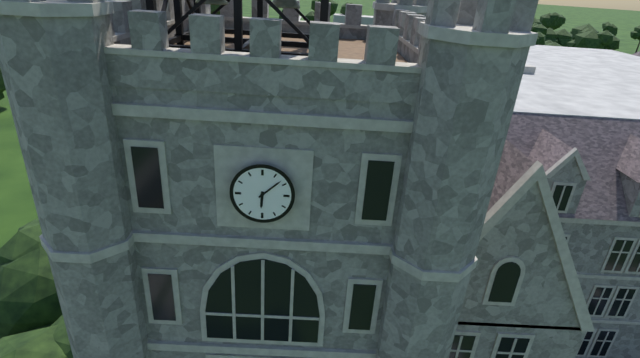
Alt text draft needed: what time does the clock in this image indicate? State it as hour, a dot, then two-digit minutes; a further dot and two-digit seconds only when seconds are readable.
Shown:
6.08
